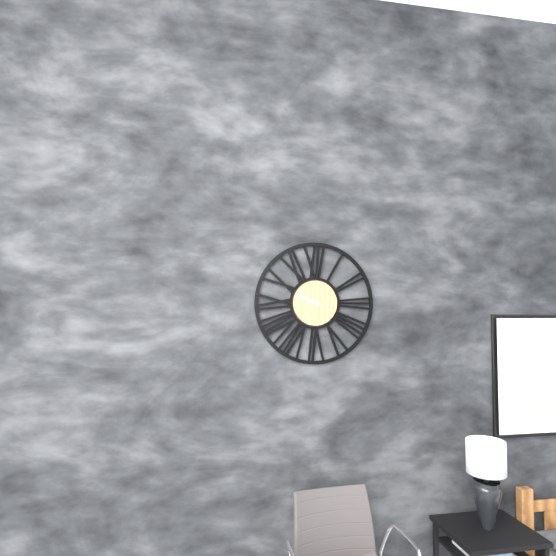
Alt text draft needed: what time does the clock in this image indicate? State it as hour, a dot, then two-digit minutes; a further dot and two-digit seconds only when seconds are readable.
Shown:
9.49
